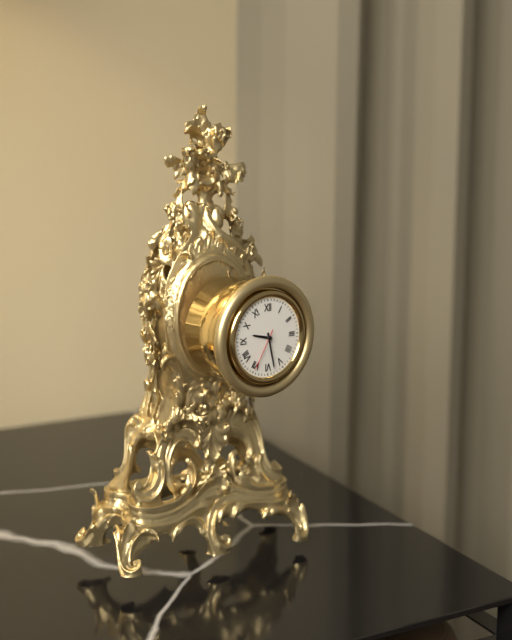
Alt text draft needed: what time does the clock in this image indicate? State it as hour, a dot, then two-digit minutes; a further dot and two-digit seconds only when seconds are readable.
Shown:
9.28
